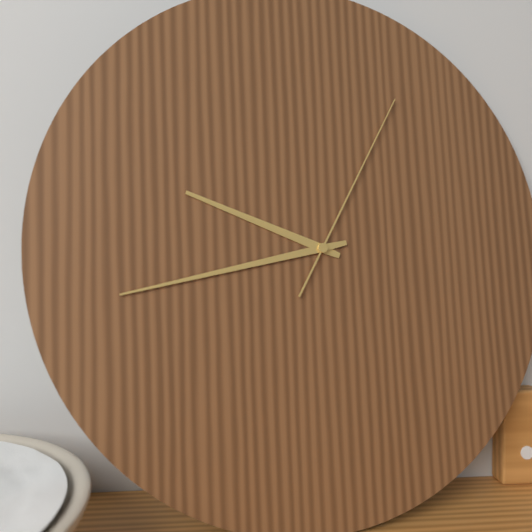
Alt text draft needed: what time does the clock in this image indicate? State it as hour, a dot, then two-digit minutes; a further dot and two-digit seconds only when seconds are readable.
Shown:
9.43.05
